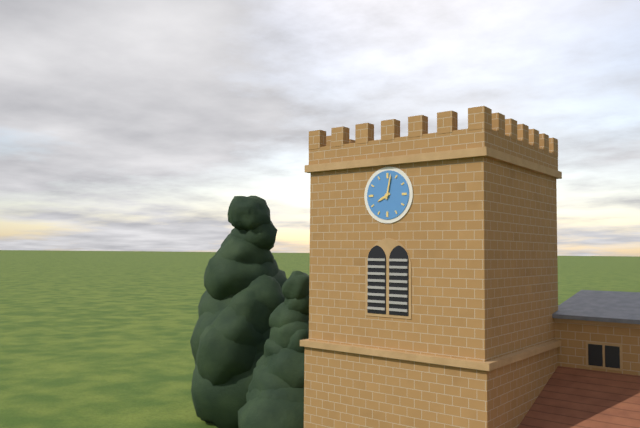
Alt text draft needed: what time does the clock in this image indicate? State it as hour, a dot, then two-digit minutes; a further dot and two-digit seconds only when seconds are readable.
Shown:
8.02
